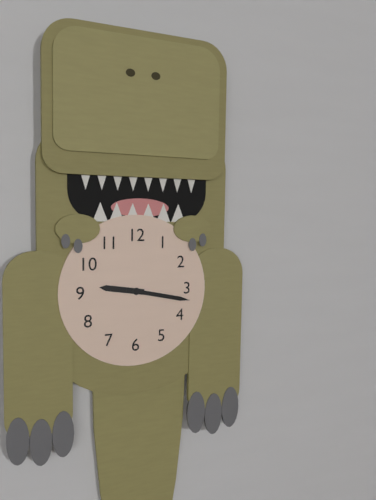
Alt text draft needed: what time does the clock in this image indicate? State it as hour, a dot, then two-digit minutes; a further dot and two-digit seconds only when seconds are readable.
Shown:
9.17
